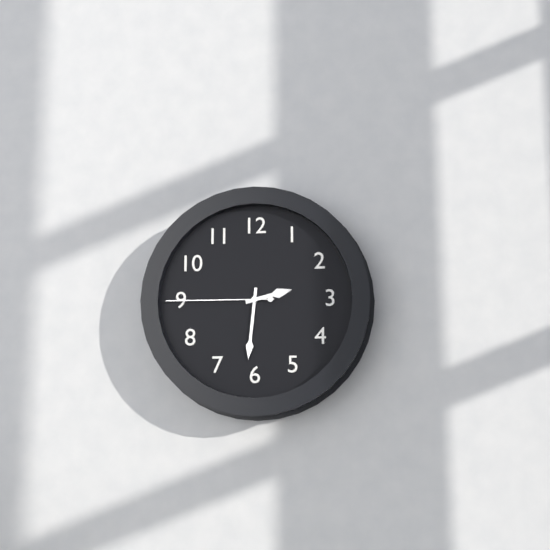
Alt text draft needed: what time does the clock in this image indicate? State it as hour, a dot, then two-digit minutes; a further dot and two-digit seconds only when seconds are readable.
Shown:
2.31.45
